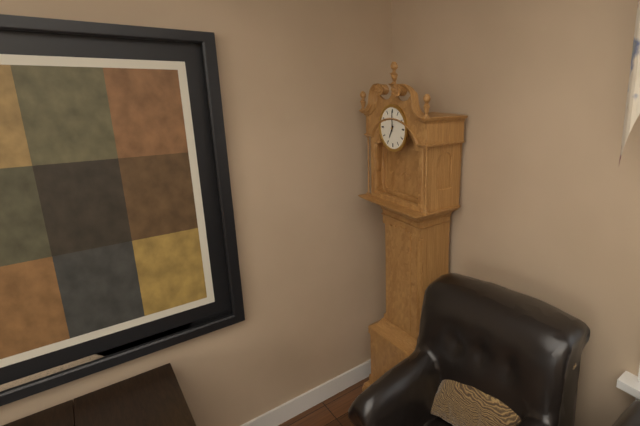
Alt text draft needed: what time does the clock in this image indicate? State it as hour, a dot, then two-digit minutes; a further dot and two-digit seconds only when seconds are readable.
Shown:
7.00
